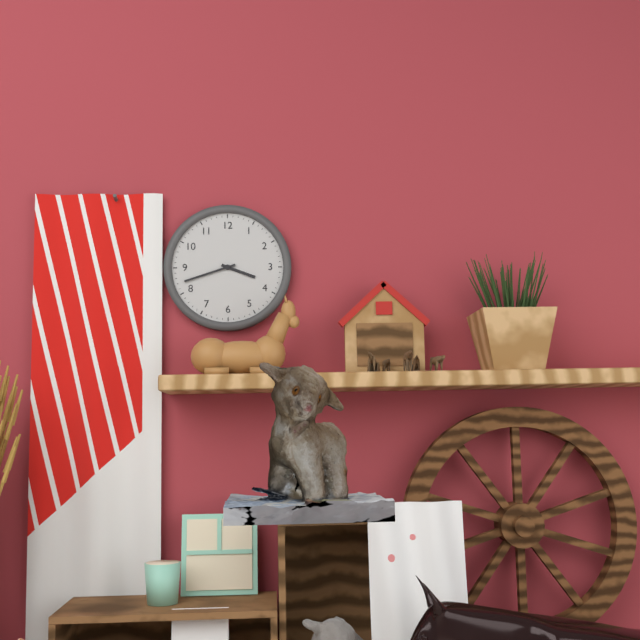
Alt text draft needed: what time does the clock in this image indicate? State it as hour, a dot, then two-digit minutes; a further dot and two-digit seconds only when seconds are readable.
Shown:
3.42
